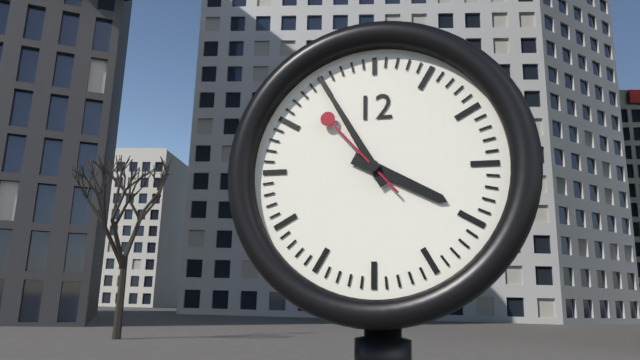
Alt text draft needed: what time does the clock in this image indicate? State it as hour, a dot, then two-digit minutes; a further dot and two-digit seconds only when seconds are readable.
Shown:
3.55.53
